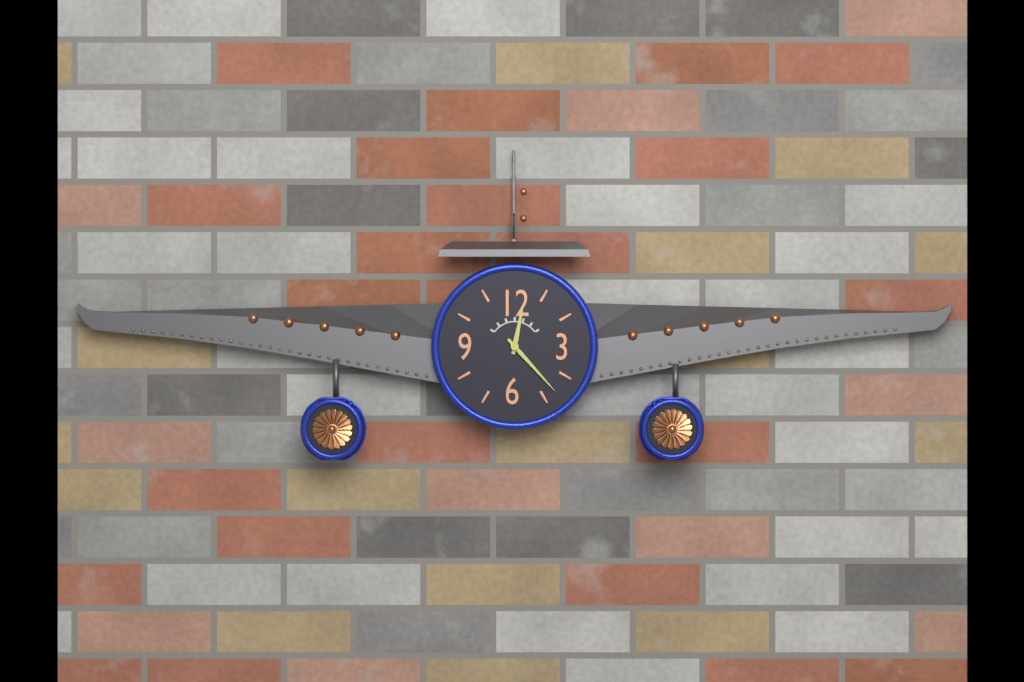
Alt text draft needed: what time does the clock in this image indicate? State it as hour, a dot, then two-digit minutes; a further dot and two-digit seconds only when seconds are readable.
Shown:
12.23
